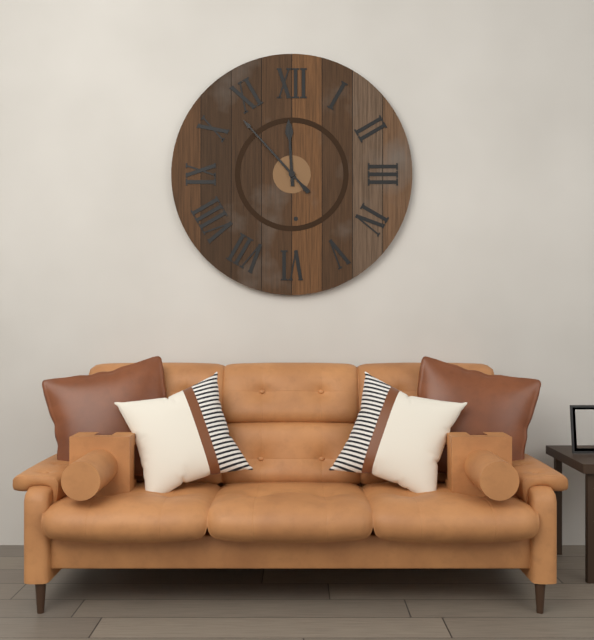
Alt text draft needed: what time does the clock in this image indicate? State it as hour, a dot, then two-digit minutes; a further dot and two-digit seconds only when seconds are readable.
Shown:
11.53
